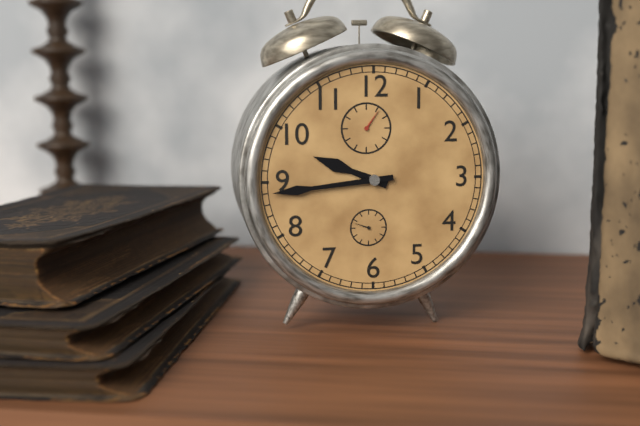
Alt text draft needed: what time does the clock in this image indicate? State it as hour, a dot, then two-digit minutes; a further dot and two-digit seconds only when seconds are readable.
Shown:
9.44
